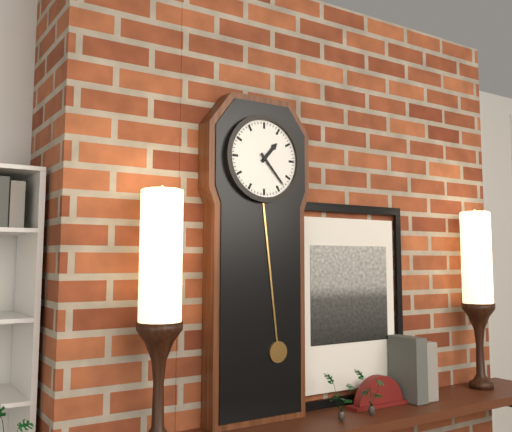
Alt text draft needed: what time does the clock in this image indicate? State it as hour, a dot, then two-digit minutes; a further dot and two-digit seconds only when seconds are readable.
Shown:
1.23
